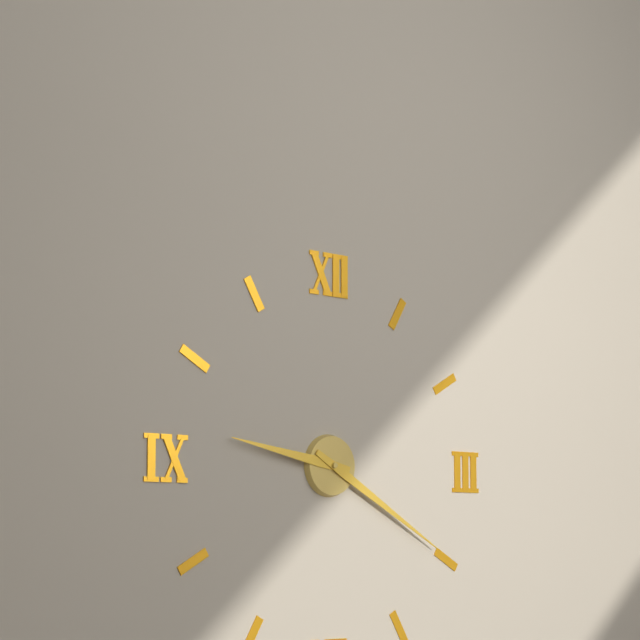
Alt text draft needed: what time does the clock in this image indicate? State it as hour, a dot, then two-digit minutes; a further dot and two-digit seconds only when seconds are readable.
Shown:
9.20
